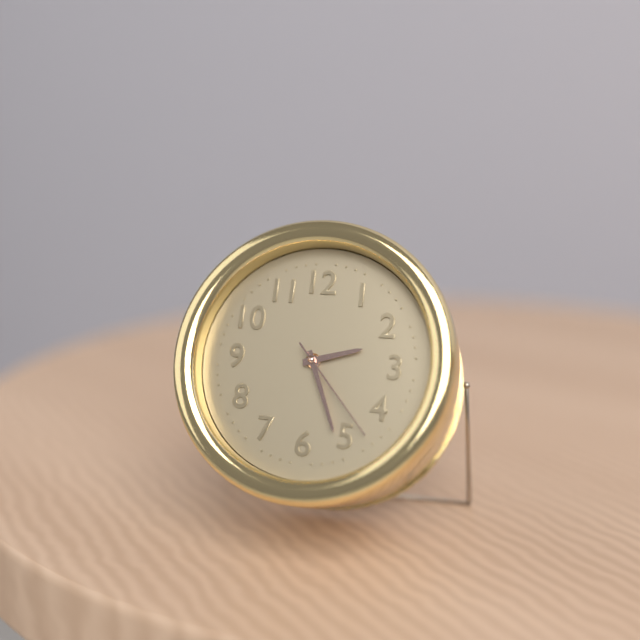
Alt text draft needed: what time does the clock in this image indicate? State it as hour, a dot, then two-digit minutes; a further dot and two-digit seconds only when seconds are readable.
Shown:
2.26.23
